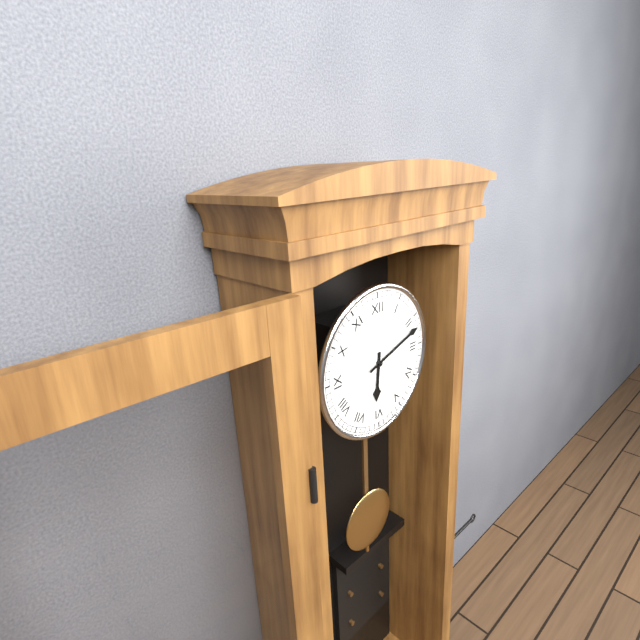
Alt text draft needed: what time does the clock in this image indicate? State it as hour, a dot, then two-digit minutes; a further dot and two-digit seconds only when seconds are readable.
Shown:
6.12
